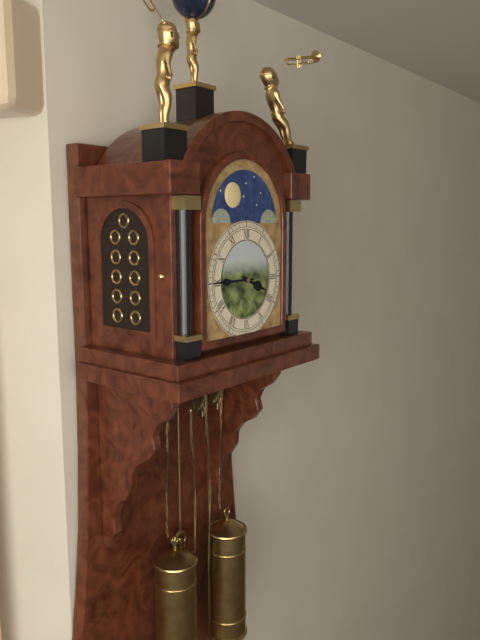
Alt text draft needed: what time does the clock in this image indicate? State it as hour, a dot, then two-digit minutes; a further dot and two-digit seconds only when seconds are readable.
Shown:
3.45
